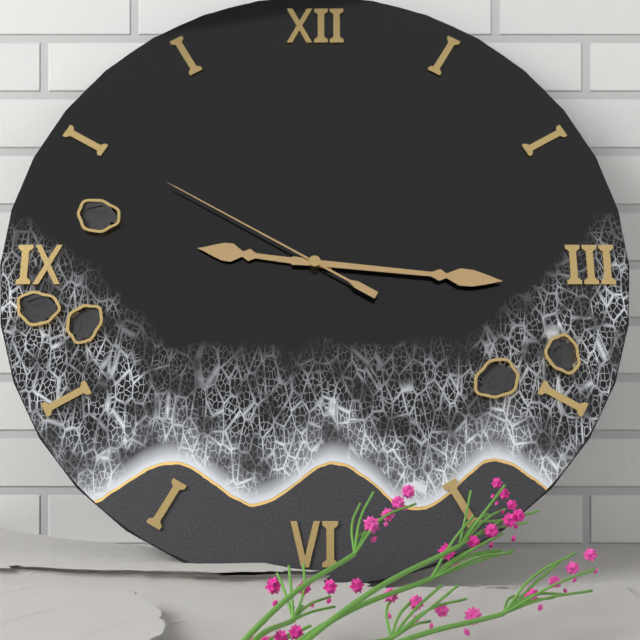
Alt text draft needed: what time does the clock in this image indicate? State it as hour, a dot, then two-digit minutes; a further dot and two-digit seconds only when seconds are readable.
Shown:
9.16.50
